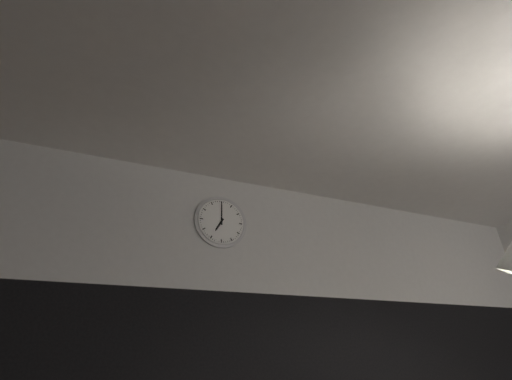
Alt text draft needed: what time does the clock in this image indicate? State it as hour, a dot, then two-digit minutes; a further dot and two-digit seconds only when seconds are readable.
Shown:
7.00
